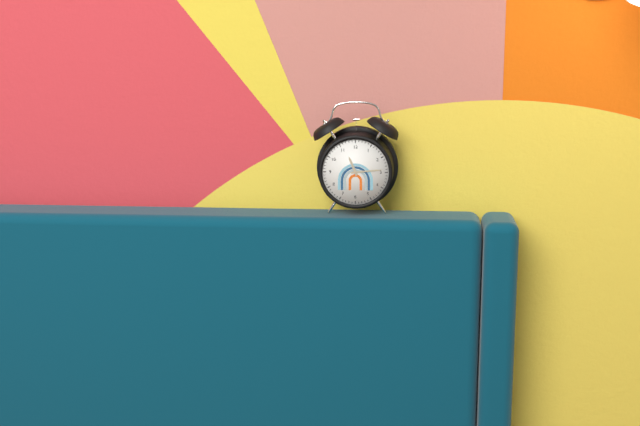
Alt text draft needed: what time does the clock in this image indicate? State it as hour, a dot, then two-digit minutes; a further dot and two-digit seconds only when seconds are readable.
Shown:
11.14
